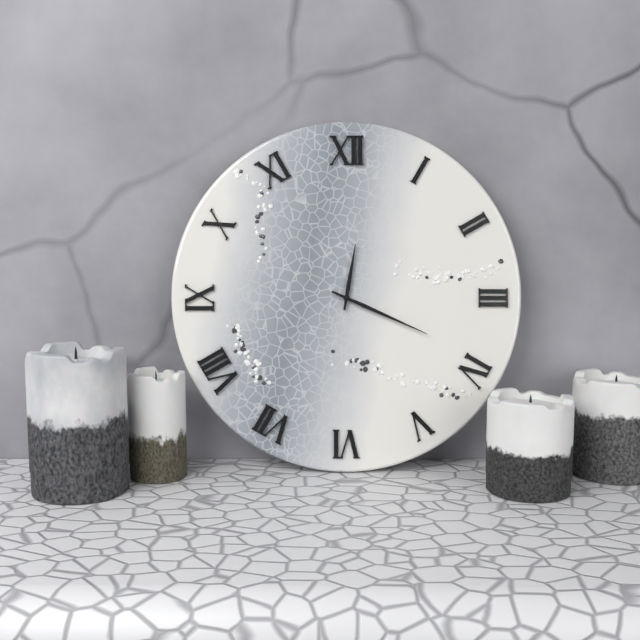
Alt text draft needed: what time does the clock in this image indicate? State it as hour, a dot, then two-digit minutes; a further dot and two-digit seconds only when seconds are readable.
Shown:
12.19
